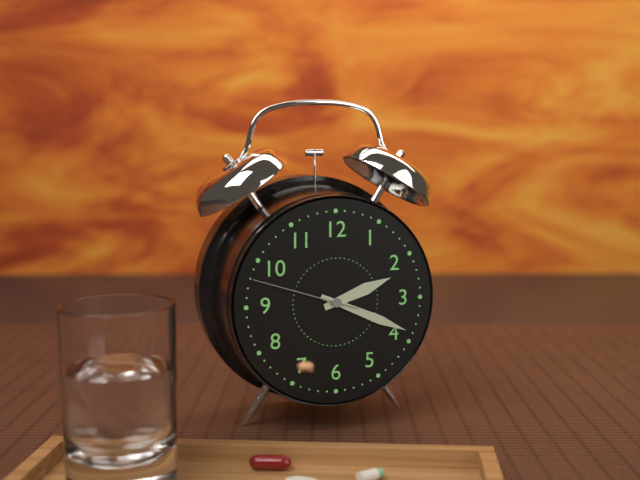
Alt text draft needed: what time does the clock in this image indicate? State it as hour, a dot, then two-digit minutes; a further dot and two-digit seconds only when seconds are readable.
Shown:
2.19.48
